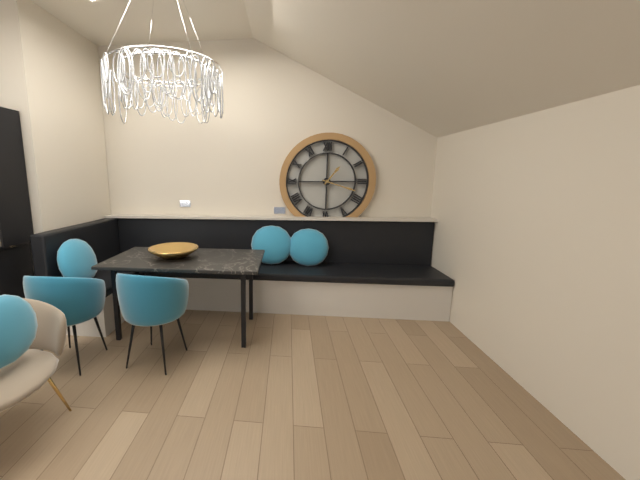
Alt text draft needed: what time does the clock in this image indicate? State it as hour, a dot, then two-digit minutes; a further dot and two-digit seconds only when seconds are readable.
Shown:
1.18
